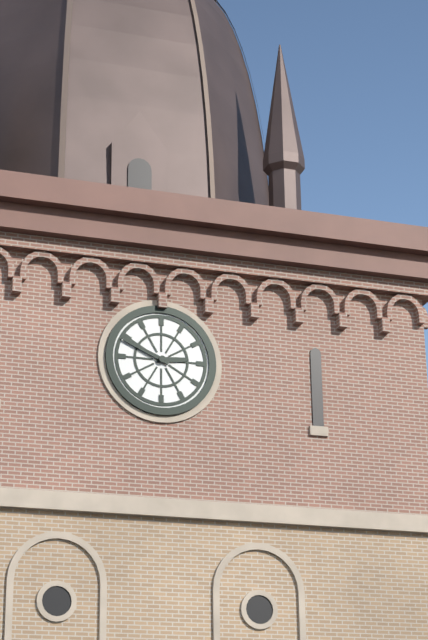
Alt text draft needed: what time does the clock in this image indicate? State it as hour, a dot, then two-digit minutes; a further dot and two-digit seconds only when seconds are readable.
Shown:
2.49
